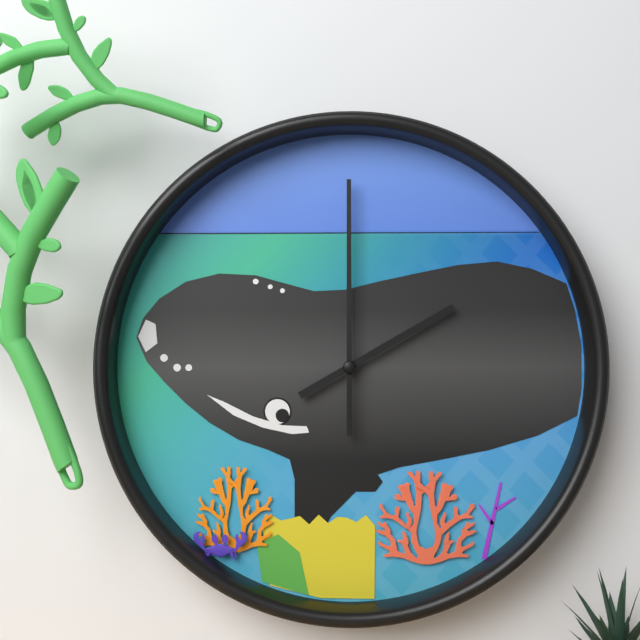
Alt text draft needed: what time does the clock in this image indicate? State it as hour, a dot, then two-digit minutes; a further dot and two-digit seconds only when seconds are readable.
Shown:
2.00
